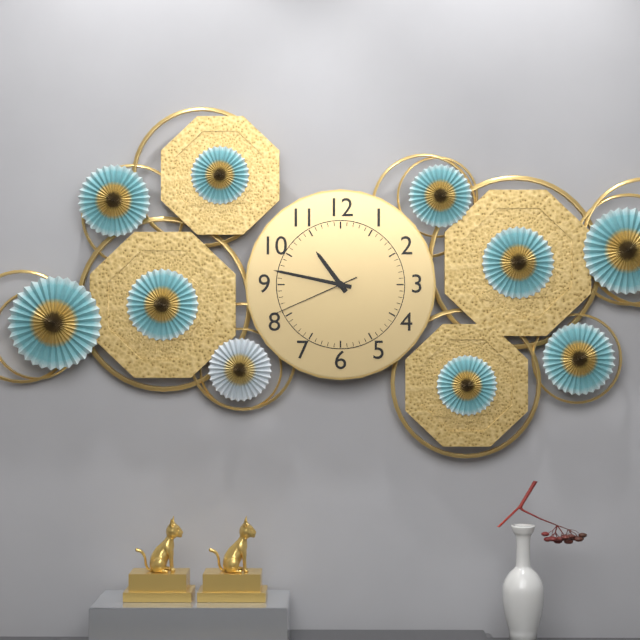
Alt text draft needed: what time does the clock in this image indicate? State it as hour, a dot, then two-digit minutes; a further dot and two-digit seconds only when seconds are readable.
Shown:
10.47.41
